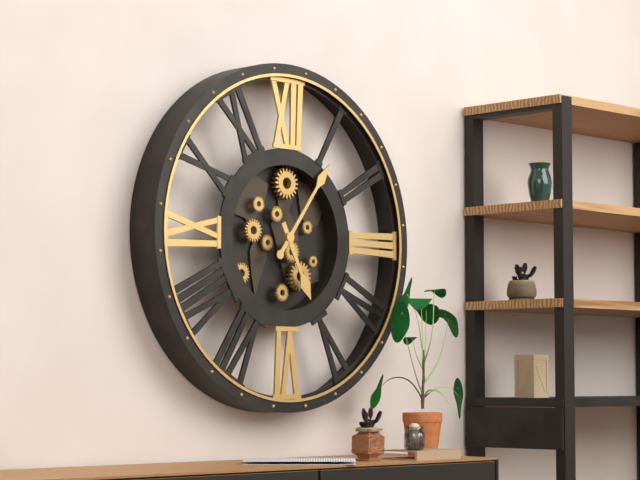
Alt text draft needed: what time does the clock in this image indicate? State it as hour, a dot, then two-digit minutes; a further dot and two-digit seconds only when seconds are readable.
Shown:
5.06
